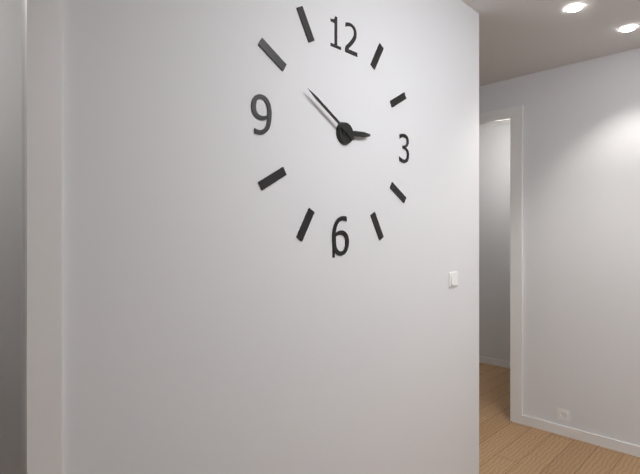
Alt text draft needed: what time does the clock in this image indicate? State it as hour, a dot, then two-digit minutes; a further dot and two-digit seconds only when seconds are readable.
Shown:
2.50
